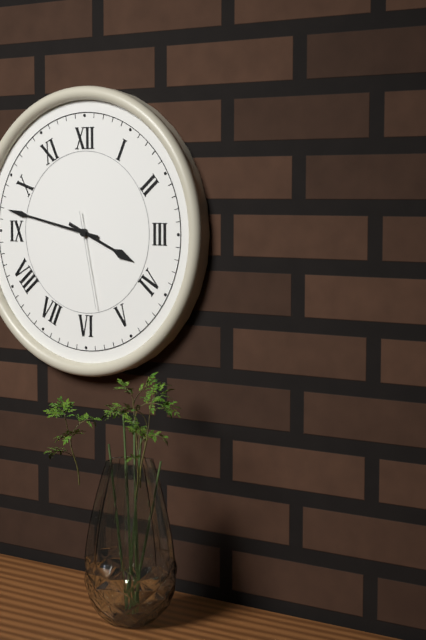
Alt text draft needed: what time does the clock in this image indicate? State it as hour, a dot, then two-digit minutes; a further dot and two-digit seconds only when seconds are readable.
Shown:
3.47.28
